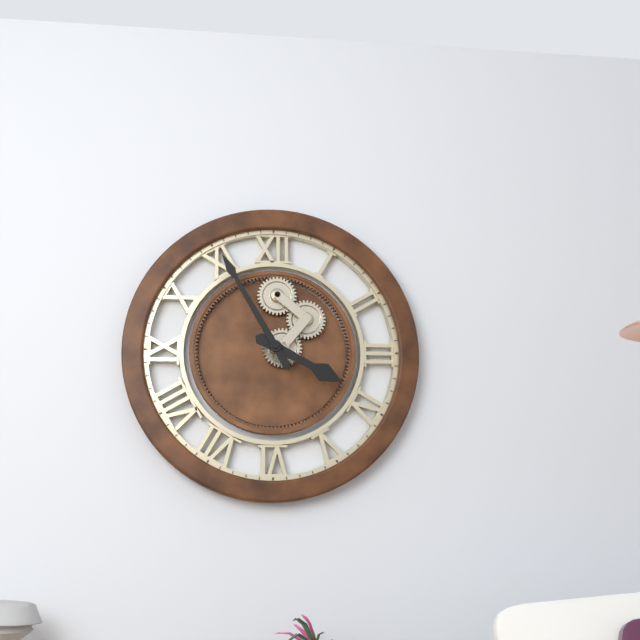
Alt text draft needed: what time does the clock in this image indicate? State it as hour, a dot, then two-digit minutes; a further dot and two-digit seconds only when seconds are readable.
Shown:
3.55
